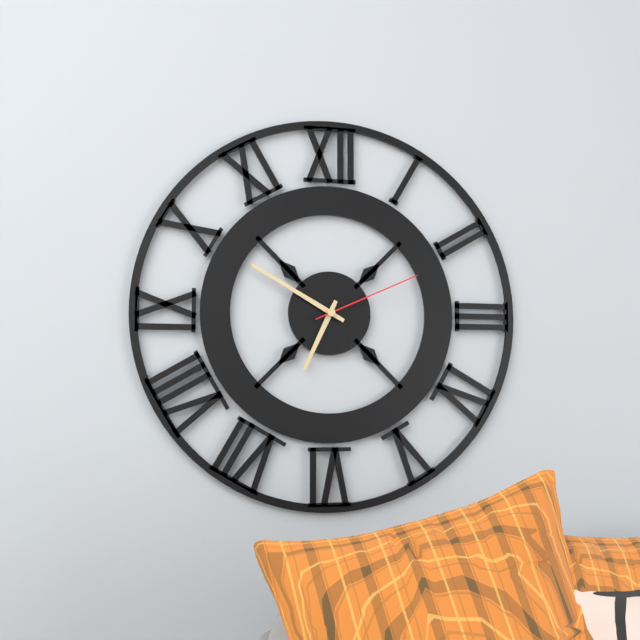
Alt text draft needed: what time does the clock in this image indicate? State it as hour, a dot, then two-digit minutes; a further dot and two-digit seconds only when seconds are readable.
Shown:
6.50.11
